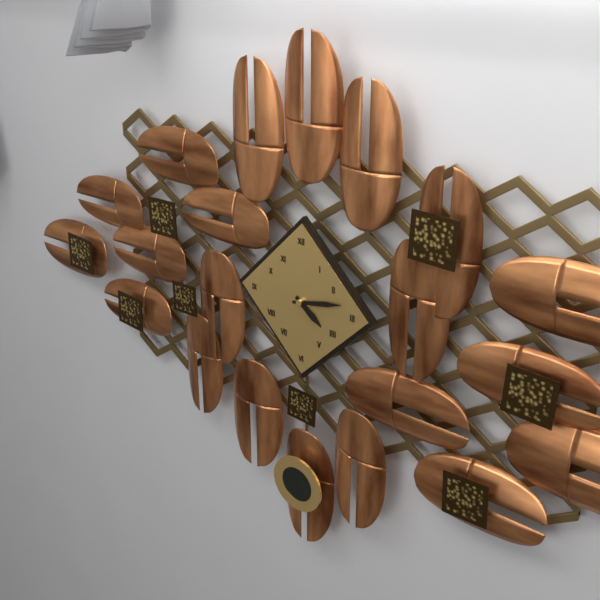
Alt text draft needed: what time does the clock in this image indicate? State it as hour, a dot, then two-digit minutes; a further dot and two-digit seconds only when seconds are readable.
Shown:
4.13
